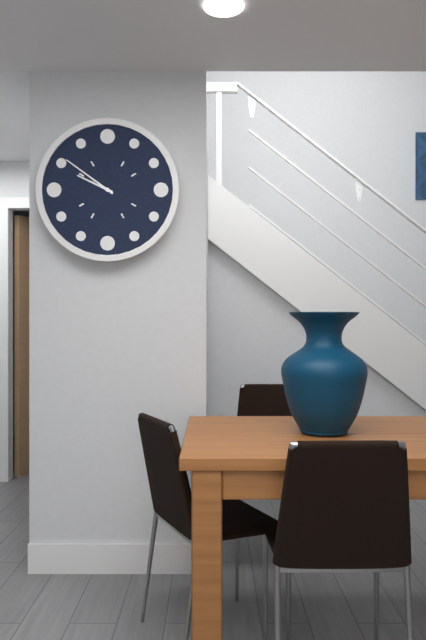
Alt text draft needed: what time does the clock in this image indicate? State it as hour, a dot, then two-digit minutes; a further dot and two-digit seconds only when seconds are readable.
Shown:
9.51
